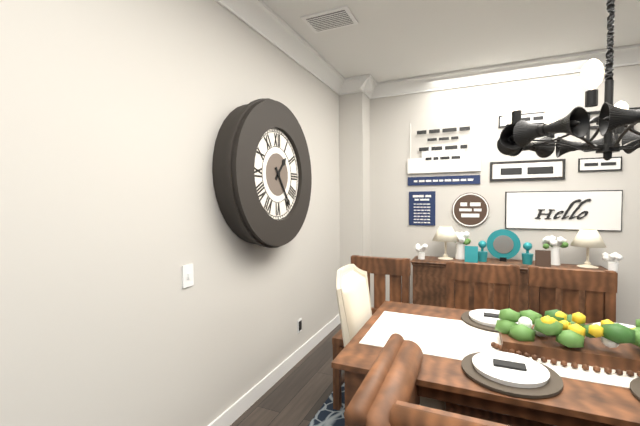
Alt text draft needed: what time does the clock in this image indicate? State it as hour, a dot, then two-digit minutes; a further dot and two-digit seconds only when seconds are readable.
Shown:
1.24
